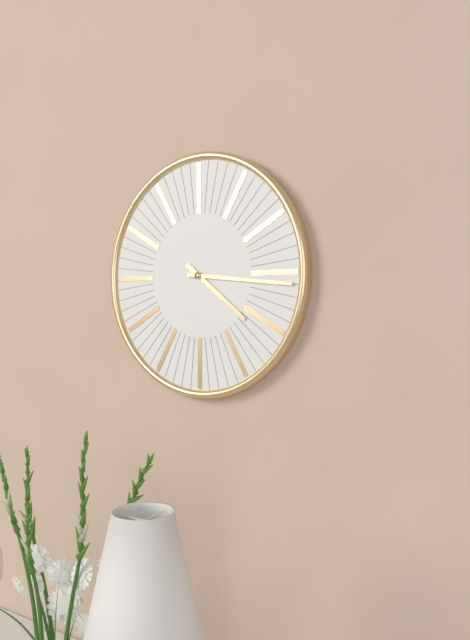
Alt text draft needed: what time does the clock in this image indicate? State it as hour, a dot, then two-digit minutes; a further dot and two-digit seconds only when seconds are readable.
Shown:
4.16
